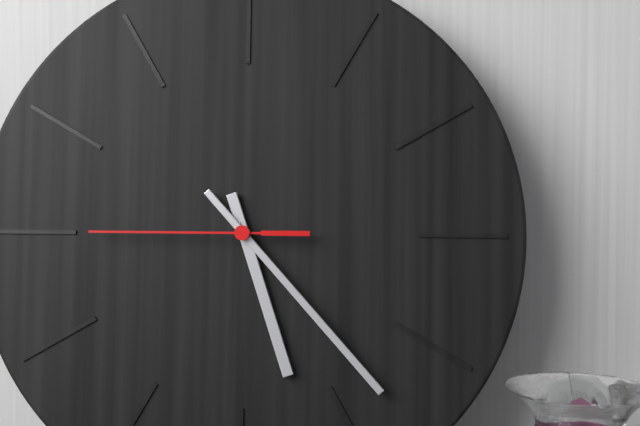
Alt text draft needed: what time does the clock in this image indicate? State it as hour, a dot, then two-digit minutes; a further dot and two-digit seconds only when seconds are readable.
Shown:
5.23.45
